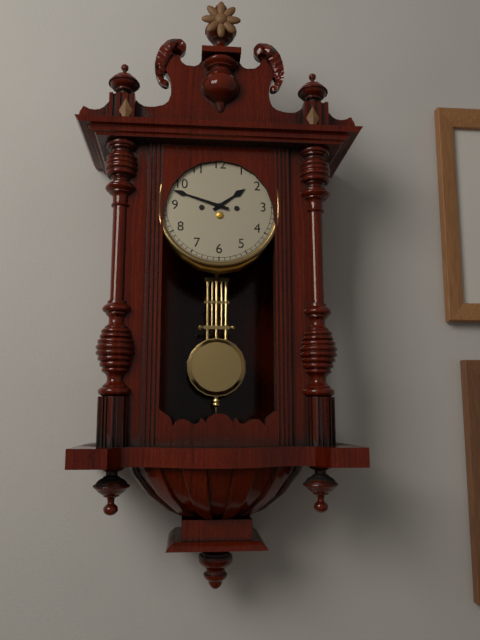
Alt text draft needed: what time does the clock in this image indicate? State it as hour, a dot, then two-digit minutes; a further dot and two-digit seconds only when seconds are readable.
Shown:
1.48
